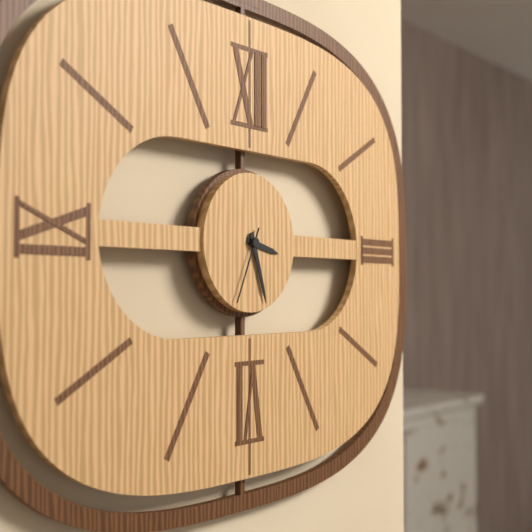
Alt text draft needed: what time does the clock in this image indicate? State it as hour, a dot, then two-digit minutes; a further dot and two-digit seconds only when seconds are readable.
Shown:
3.27.34
